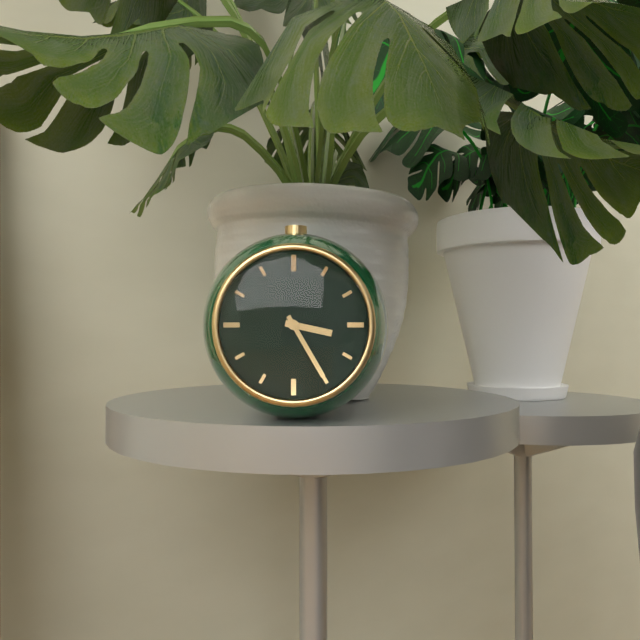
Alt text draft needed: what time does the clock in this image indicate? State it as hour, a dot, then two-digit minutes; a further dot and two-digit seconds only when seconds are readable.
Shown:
3.25
